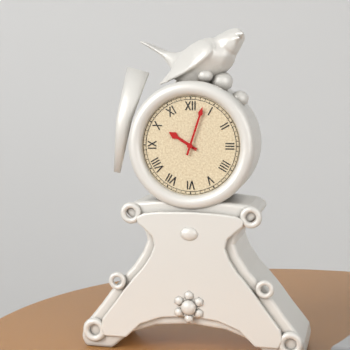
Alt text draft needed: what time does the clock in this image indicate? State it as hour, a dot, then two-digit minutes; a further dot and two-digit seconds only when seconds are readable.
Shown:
10.03
